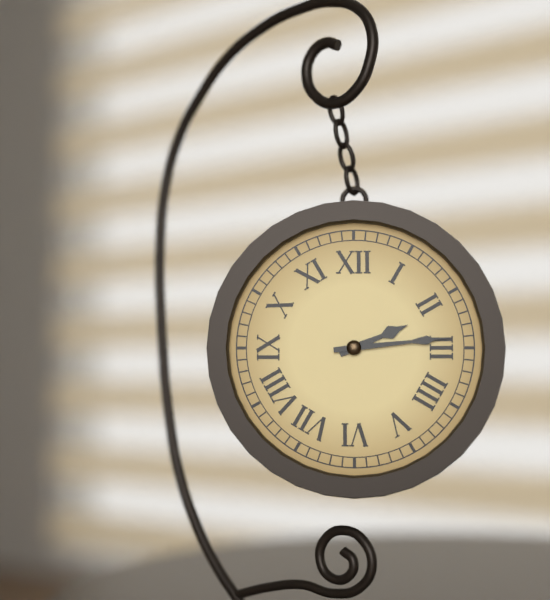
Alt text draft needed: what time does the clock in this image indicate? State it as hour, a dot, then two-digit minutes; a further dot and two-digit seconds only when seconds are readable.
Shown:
2.14
